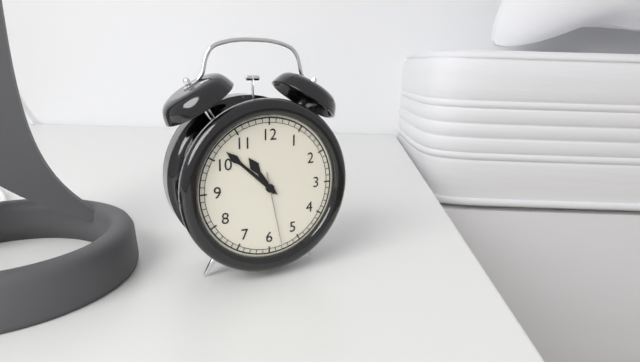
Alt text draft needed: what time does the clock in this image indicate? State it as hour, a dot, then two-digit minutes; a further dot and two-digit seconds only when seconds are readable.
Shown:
10.52.28
